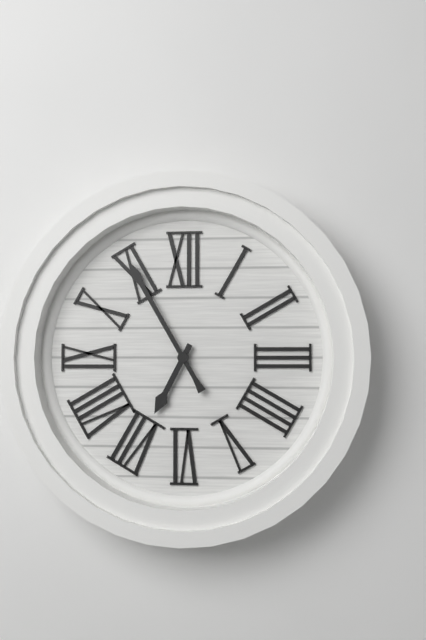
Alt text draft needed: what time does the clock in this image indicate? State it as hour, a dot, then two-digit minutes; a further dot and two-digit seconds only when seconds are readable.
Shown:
6.55
